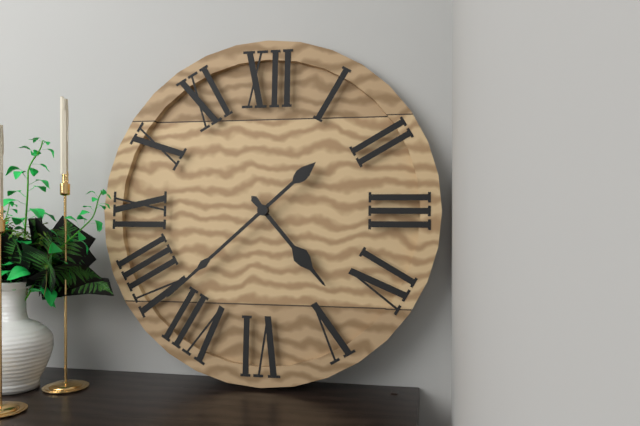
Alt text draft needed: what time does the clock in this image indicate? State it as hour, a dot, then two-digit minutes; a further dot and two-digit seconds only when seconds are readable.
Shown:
4.38
